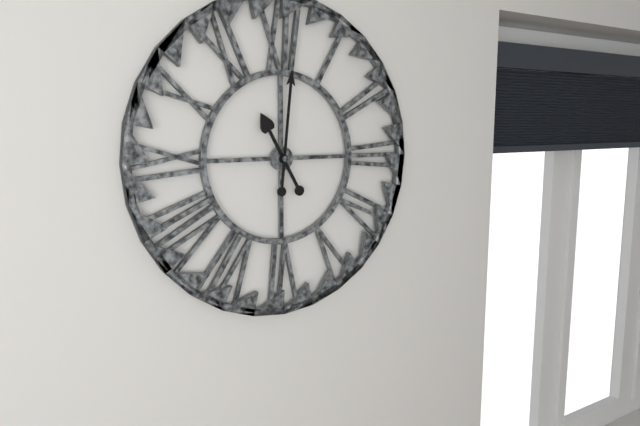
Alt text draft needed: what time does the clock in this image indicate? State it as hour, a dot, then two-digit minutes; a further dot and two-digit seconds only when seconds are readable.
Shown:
11.01
